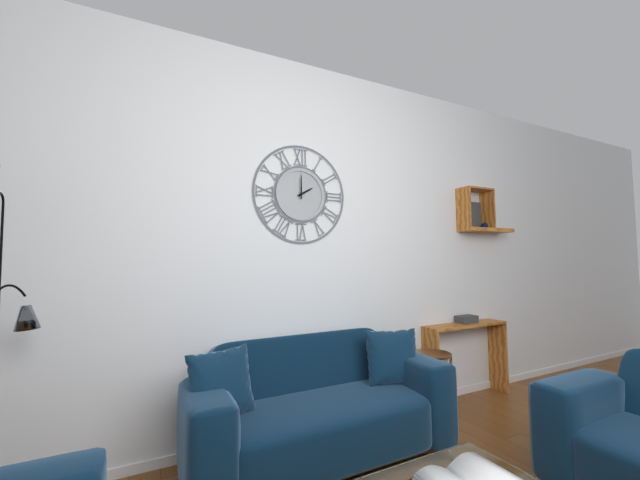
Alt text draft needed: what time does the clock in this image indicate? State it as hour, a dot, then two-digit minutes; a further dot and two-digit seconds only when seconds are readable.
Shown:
2.00
